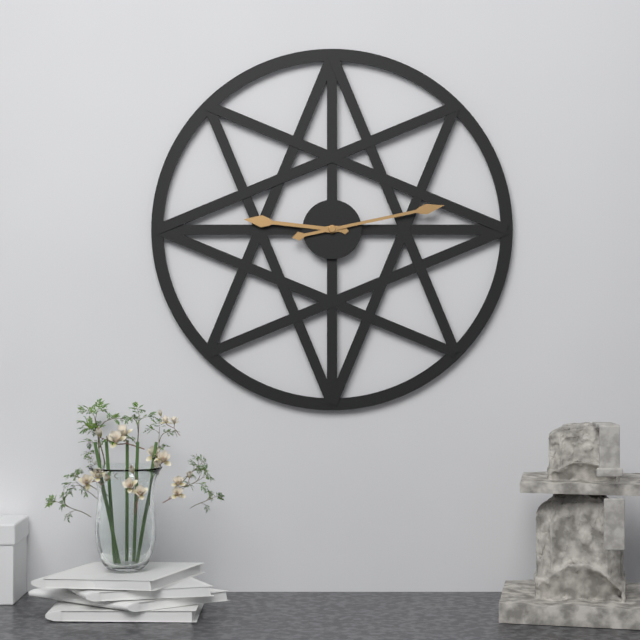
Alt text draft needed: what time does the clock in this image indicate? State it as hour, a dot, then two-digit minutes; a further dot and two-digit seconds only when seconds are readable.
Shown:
9.13
